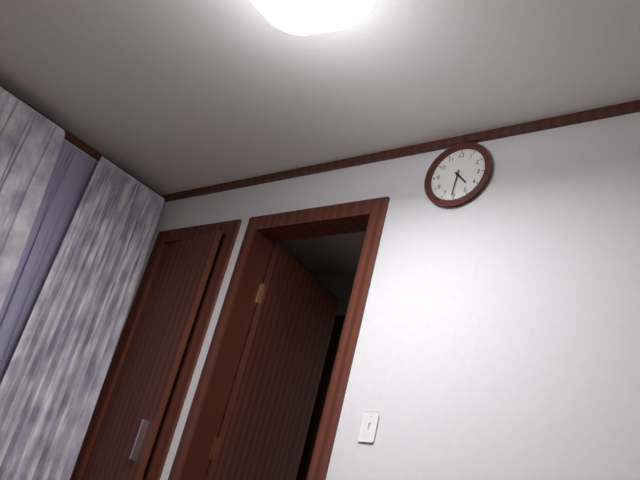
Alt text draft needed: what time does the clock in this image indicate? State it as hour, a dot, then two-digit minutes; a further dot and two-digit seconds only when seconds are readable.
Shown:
4.31
